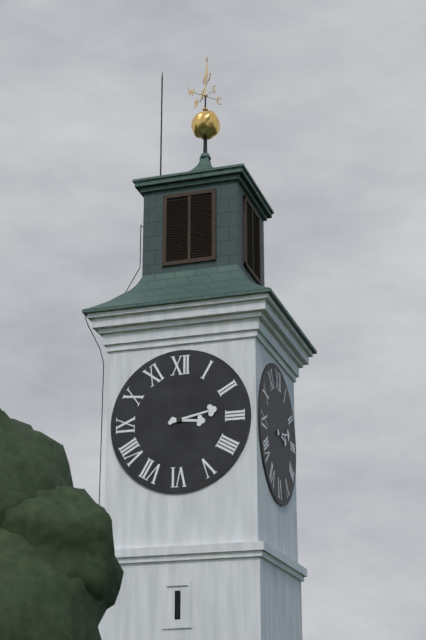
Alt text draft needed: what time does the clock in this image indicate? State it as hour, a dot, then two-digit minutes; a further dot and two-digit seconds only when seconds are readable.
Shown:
3.13
